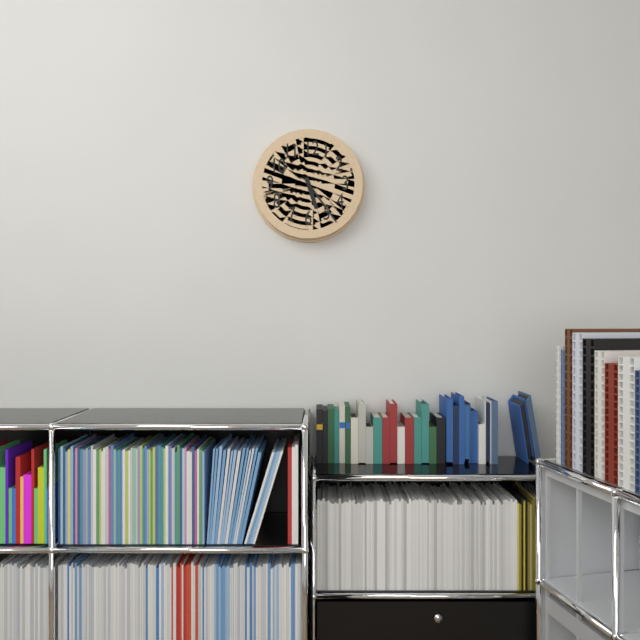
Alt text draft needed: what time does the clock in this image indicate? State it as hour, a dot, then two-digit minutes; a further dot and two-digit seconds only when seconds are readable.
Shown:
5.24
